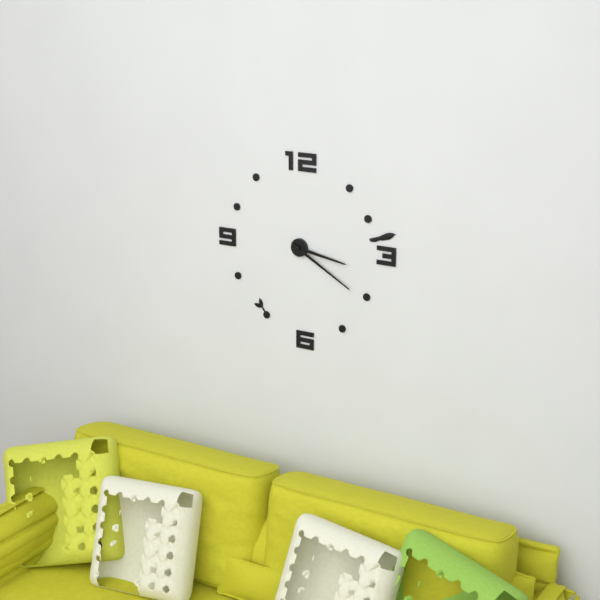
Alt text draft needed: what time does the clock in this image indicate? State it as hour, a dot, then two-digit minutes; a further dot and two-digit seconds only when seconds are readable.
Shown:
3.20
